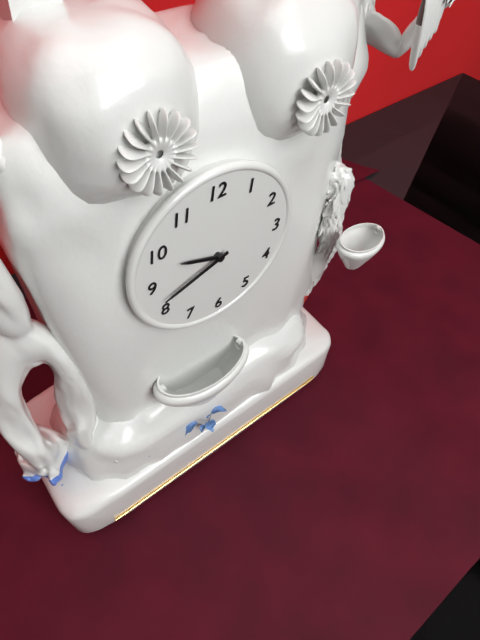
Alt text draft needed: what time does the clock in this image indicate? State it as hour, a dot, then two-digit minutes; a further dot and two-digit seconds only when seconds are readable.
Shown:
9.42
